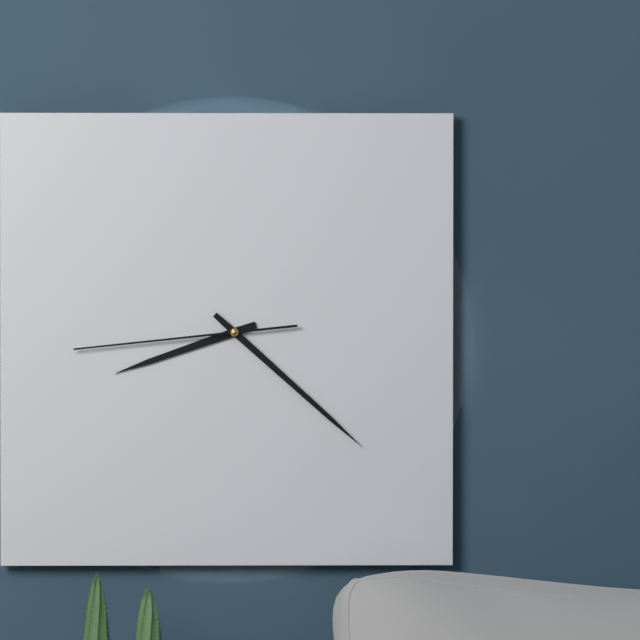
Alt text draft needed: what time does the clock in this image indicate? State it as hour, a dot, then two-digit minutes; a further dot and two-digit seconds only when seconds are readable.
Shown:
8.22.44
